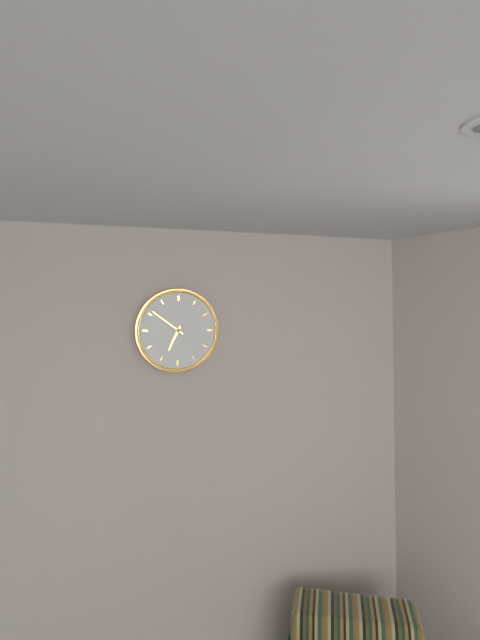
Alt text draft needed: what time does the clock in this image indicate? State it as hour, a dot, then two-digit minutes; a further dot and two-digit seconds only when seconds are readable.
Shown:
6.51
